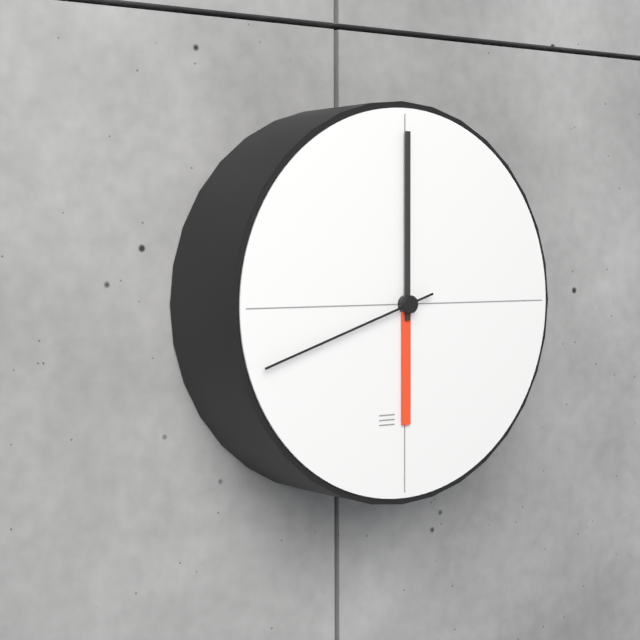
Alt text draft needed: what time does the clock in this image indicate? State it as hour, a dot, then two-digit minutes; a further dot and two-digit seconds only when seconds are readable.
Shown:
6.00.42
